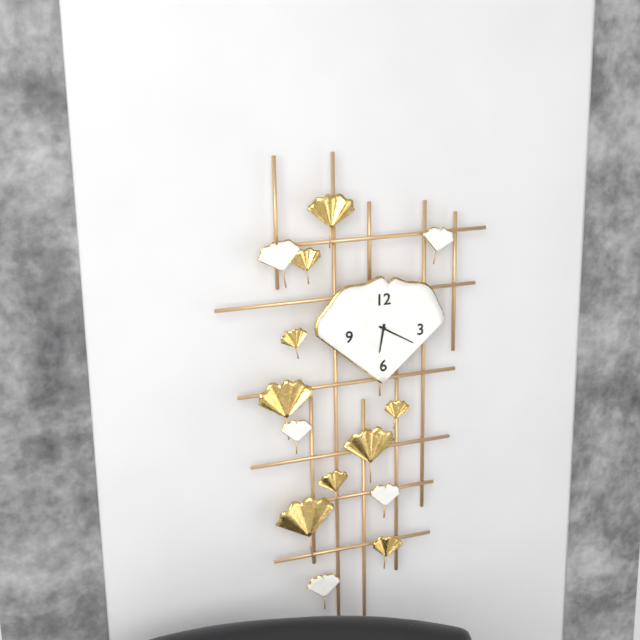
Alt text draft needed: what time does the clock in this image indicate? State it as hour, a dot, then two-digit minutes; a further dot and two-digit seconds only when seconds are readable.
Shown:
6.20
